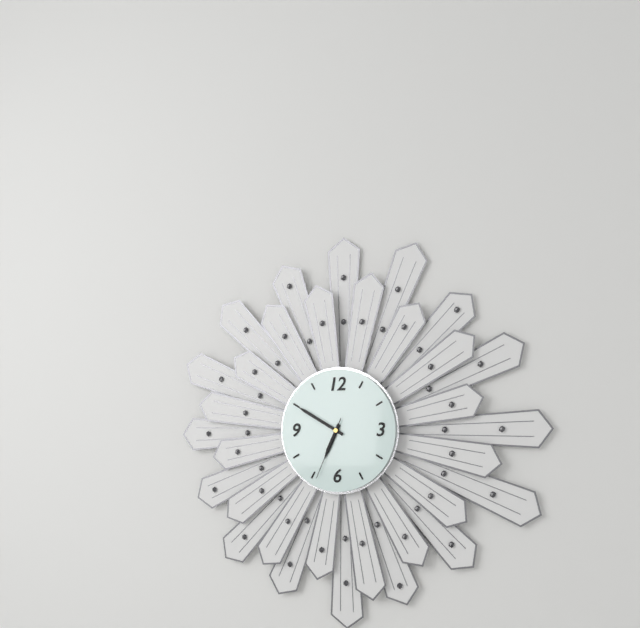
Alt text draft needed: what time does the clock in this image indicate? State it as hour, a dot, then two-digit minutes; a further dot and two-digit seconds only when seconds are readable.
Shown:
6.50.34
